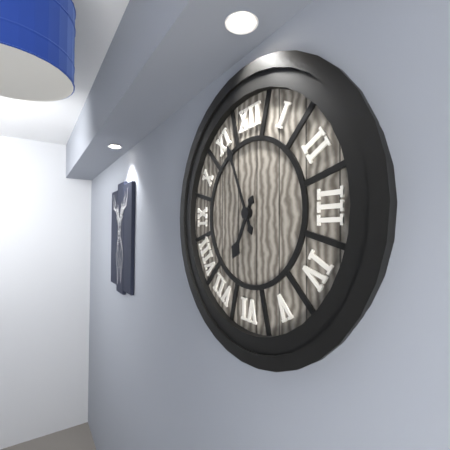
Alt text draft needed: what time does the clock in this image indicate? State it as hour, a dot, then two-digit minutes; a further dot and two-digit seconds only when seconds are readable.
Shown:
6.56
